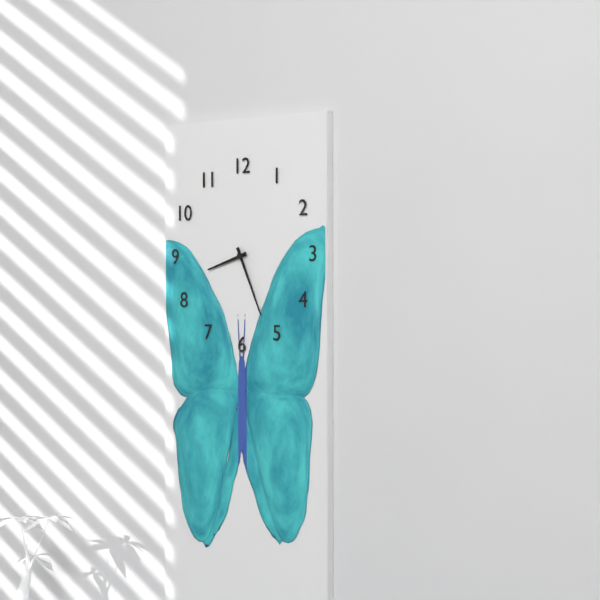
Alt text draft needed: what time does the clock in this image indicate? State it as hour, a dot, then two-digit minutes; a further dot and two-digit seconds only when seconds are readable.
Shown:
8.26
